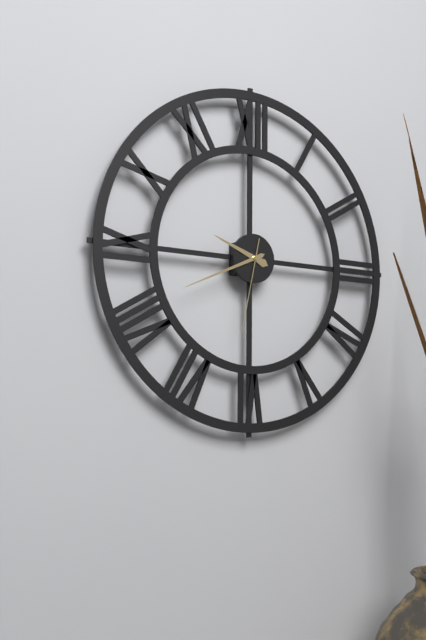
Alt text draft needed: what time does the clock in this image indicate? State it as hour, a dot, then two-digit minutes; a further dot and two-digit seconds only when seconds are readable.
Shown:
9.41.32
